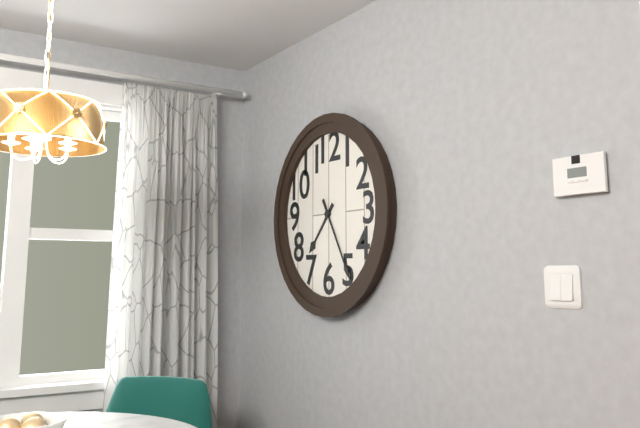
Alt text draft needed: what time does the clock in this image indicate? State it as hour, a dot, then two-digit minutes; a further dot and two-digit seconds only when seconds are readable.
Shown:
7.25
